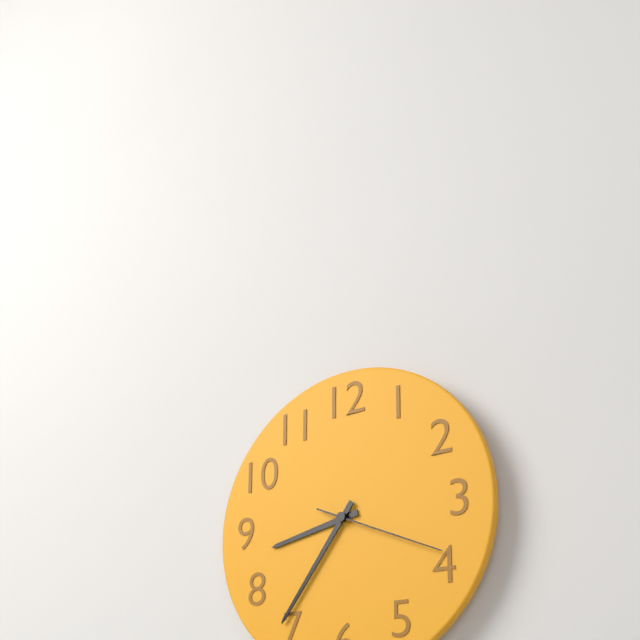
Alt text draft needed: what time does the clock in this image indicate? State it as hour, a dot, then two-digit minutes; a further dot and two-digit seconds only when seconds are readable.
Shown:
8.36.19
